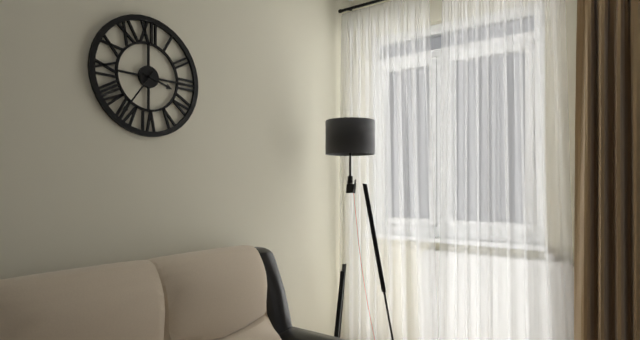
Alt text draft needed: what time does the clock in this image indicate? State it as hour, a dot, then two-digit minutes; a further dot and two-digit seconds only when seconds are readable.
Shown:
3.36
